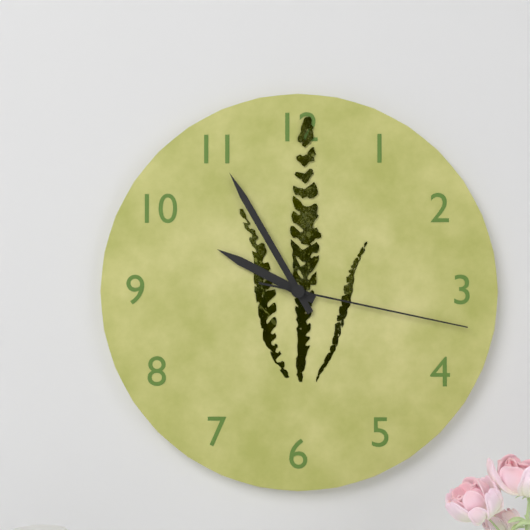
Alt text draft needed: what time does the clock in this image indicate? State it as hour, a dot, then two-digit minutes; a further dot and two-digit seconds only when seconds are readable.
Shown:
9.55.17
